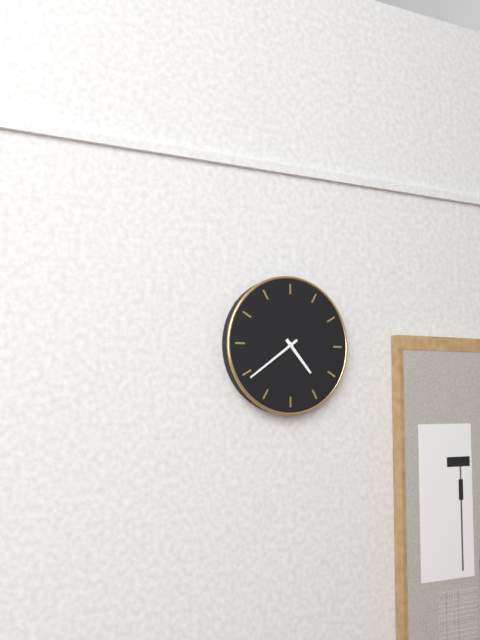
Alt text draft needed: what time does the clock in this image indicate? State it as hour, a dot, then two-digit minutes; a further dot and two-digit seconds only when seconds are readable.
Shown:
4.39
